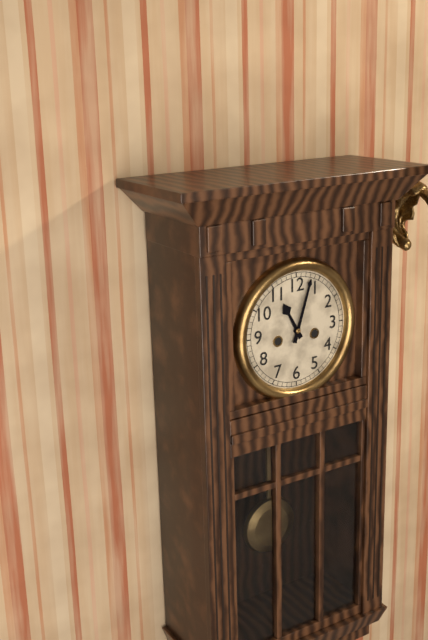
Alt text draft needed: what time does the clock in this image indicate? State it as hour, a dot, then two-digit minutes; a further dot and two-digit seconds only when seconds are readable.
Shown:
11.03
